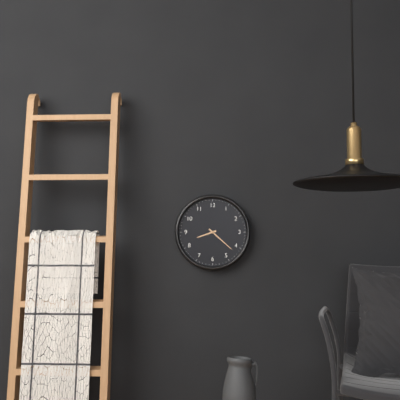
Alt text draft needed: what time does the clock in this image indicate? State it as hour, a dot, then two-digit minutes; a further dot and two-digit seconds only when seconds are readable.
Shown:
8.22
